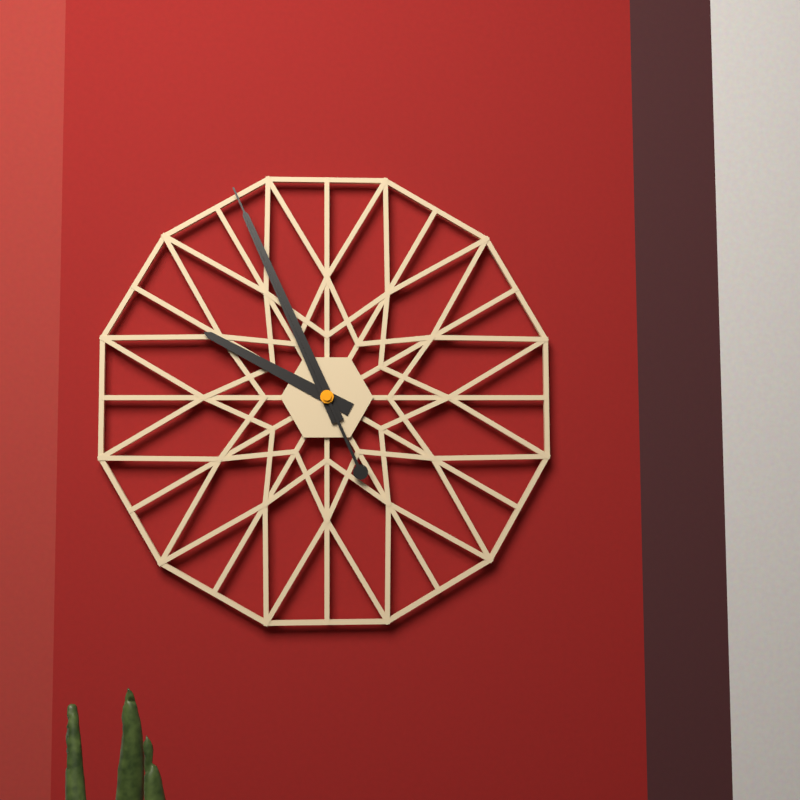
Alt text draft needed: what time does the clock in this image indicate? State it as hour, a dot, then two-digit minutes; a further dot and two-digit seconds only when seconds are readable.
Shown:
9.56.56
